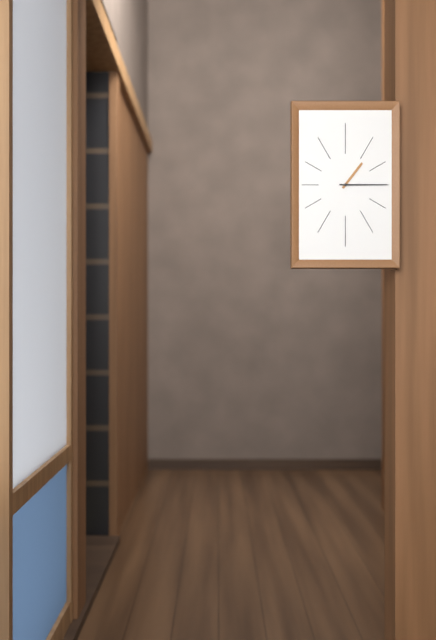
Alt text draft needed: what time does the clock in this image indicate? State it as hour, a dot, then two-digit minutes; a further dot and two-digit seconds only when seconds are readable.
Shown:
1.15
